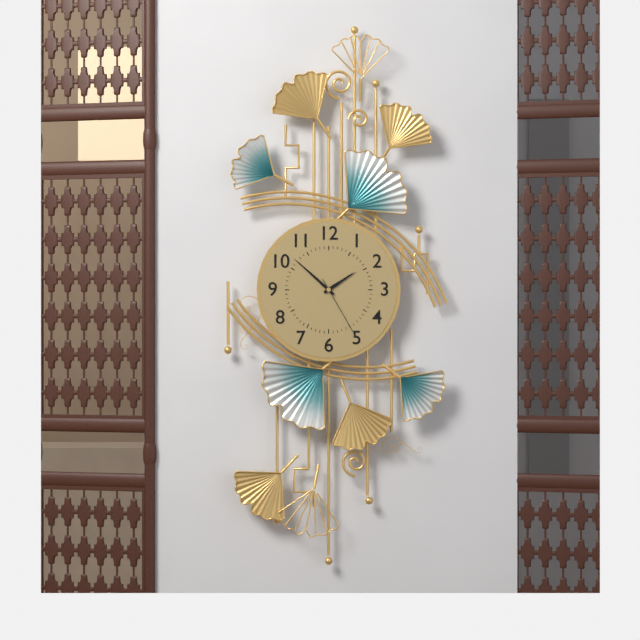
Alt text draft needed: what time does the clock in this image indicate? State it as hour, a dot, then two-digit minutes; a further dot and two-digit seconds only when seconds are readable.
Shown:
1.52.25
